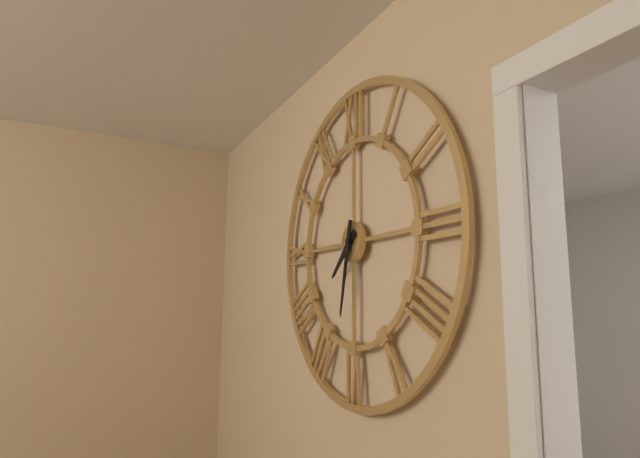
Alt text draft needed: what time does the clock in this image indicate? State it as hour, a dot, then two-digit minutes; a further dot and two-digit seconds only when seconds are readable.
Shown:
7.32
